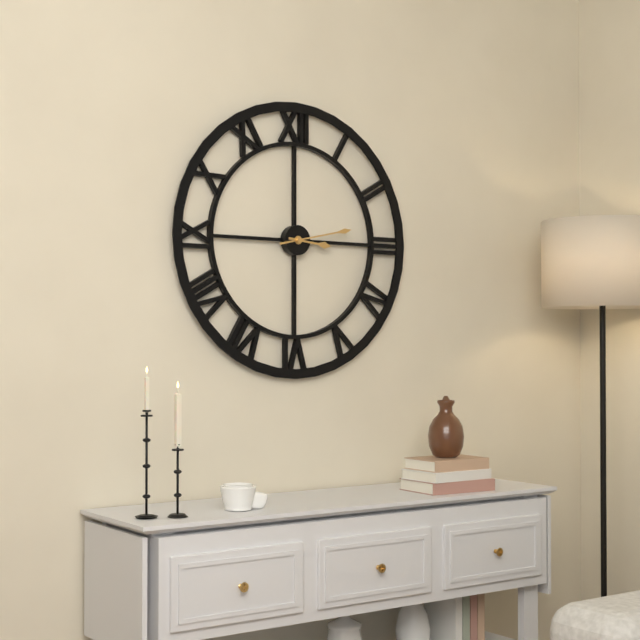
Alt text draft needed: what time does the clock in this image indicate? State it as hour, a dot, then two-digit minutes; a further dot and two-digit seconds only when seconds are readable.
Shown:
3.13
